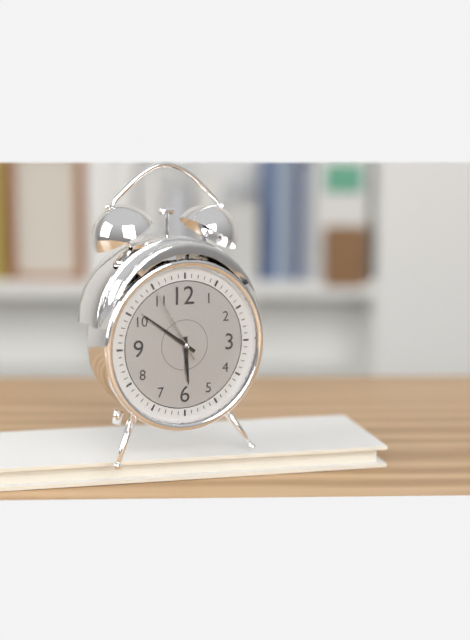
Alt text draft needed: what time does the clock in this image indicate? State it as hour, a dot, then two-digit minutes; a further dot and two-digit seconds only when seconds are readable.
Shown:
5.51.55
